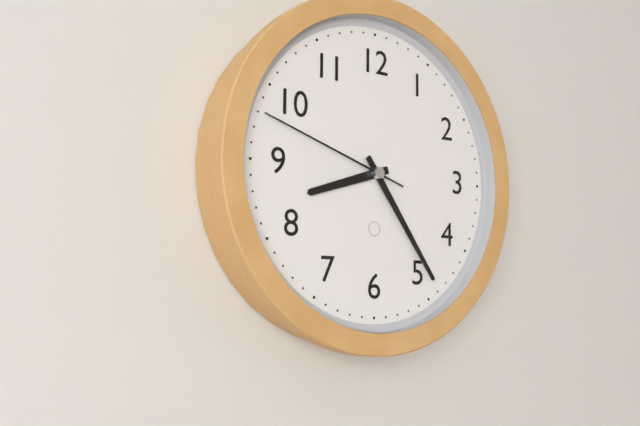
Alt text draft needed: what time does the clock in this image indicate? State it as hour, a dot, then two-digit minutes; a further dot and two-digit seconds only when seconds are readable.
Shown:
8.24.48
